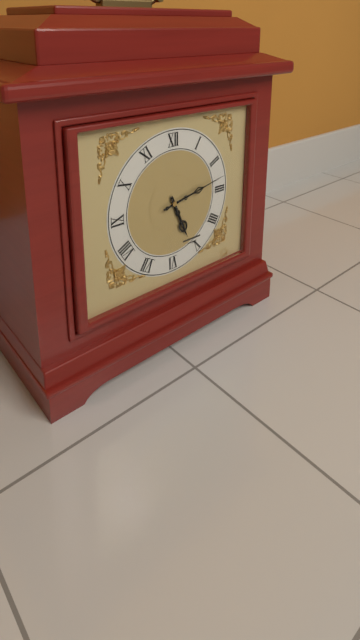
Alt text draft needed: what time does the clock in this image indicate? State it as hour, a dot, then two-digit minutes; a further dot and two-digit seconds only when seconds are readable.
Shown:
5.13
